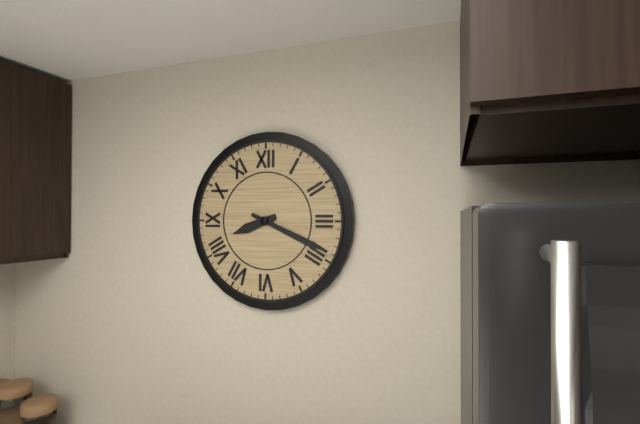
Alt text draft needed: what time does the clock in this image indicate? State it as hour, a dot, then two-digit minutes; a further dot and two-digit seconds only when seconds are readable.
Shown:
8.19
